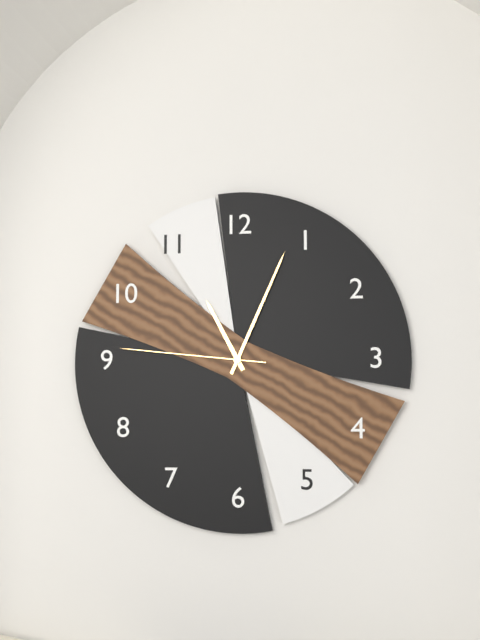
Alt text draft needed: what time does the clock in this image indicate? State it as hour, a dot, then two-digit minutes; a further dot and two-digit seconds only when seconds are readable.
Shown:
11.04.46
